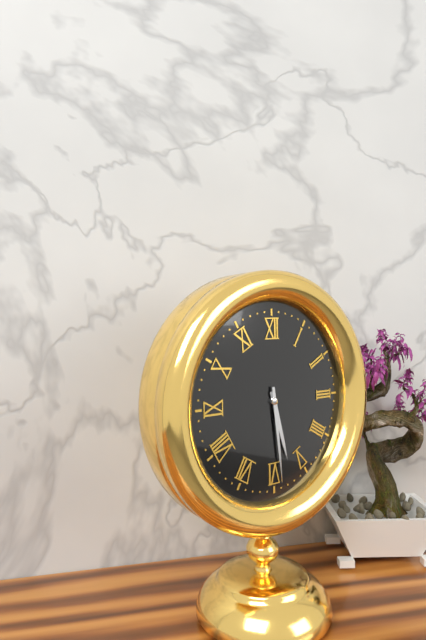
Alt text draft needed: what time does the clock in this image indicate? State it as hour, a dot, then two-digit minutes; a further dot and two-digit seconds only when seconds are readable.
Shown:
5.29
